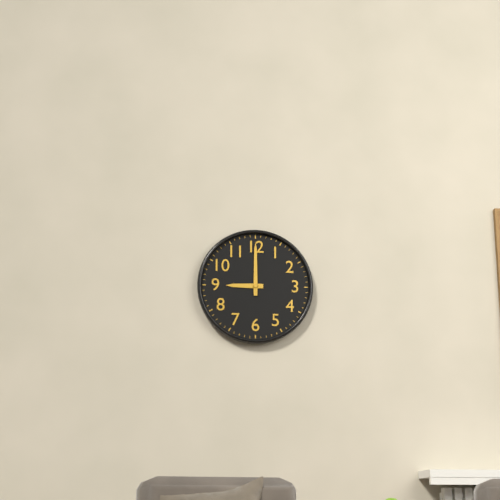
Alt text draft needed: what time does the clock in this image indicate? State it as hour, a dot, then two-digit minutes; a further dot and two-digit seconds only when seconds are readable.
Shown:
9.00
